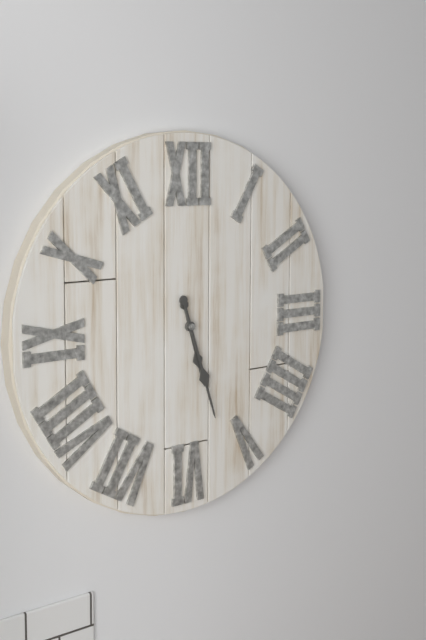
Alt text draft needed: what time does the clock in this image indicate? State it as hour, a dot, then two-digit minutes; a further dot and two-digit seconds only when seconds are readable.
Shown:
5.27
